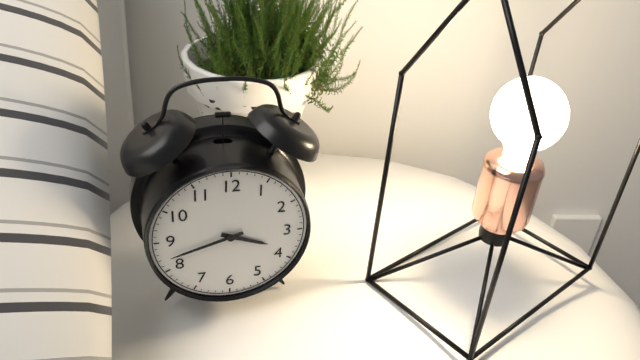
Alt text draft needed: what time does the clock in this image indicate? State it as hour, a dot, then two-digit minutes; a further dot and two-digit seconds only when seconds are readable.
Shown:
3.42
